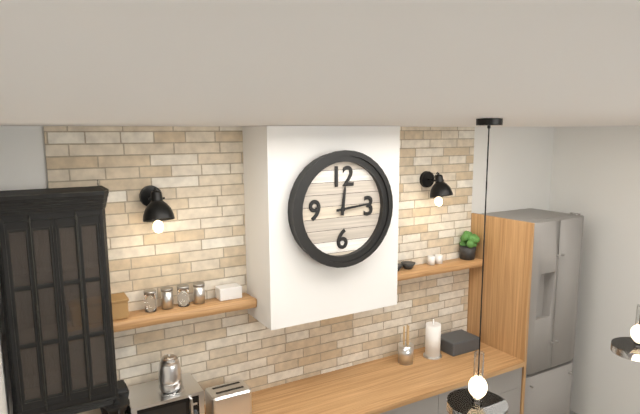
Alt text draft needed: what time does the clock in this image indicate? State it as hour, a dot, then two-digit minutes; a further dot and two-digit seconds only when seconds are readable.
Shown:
12.14
